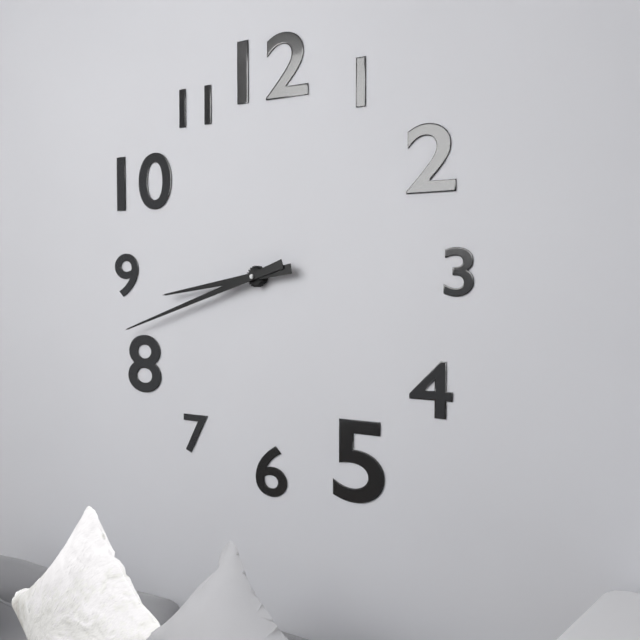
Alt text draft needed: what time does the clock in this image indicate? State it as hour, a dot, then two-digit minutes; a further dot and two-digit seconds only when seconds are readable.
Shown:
8.42
